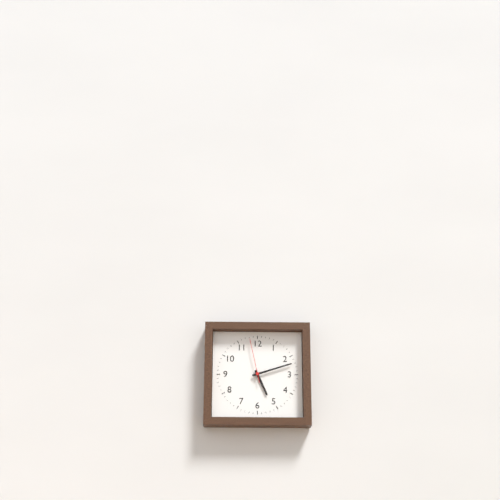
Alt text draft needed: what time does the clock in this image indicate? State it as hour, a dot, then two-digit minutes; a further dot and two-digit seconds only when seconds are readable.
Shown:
5.12
